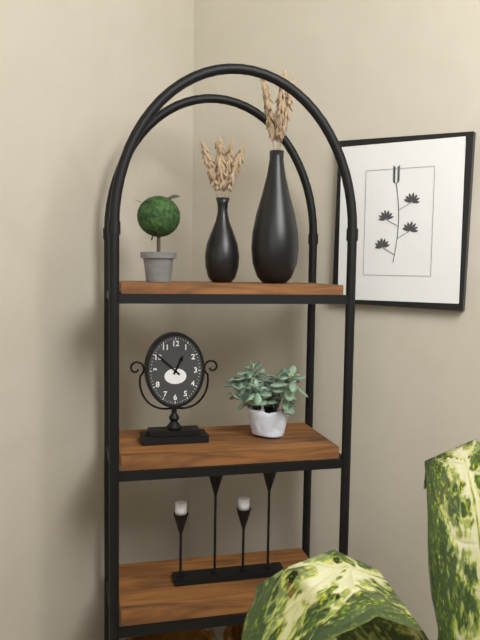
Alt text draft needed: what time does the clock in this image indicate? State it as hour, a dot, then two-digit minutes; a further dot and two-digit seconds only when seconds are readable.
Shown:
12.52
